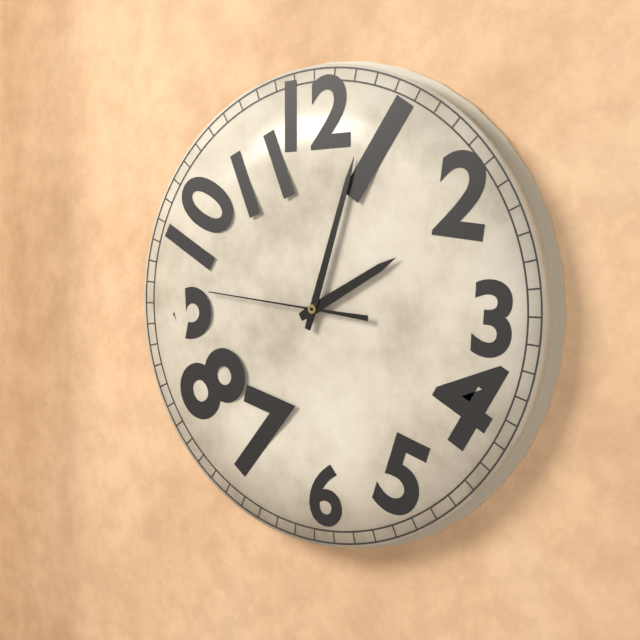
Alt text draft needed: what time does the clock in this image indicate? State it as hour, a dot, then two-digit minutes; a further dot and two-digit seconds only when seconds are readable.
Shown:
2.03.46
